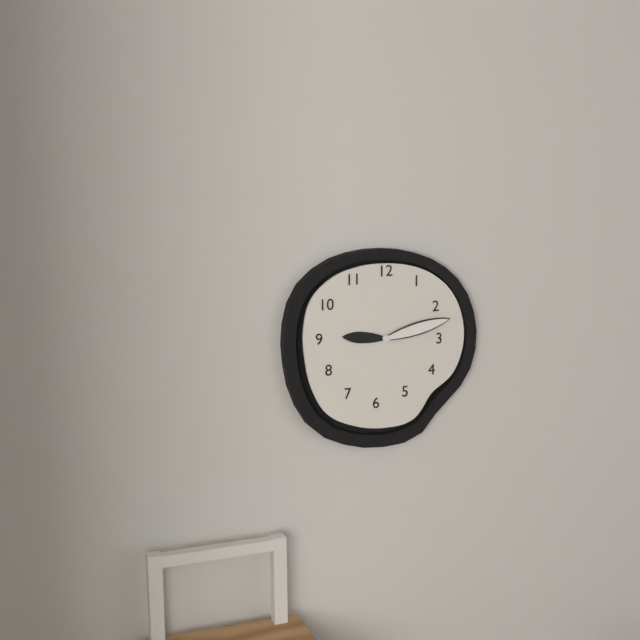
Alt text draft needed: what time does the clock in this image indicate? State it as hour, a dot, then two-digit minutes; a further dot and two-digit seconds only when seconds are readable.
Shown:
9.13
